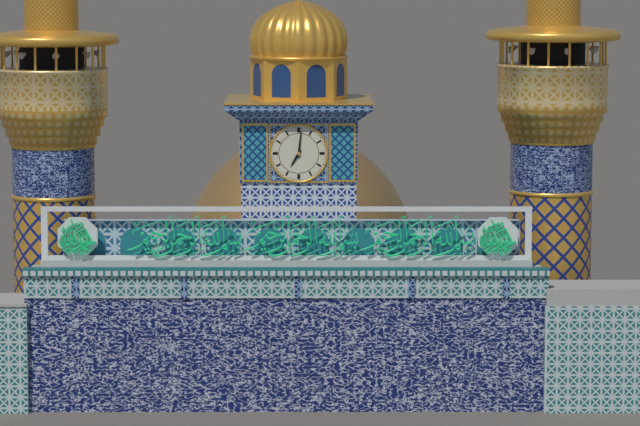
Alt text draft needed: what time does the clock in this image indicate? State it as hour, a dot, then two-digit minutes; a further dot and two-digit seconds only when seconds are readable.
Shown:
7.01
